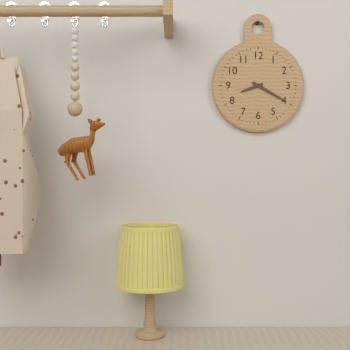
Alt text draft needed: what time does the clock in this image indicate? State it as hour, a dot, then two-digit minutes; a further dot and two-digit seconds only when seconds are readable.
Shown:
8.20
